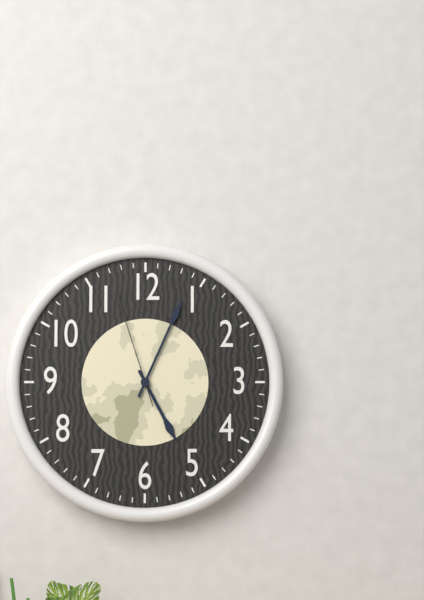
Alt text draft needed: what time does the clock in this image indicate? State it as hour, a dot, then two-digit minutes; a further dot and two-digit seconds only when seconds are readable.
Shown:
5.04.57
